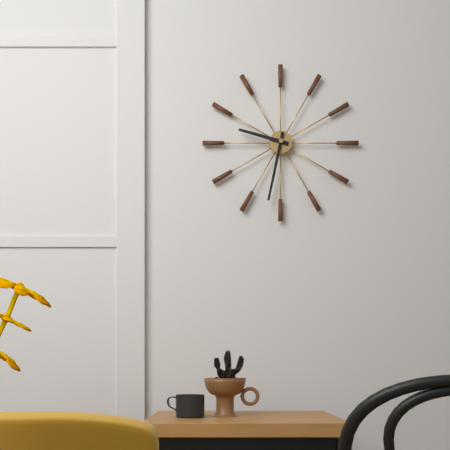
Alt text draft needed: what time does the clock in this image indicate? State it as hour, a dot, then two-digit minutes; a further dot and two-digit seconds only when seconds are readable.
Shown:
9.32
